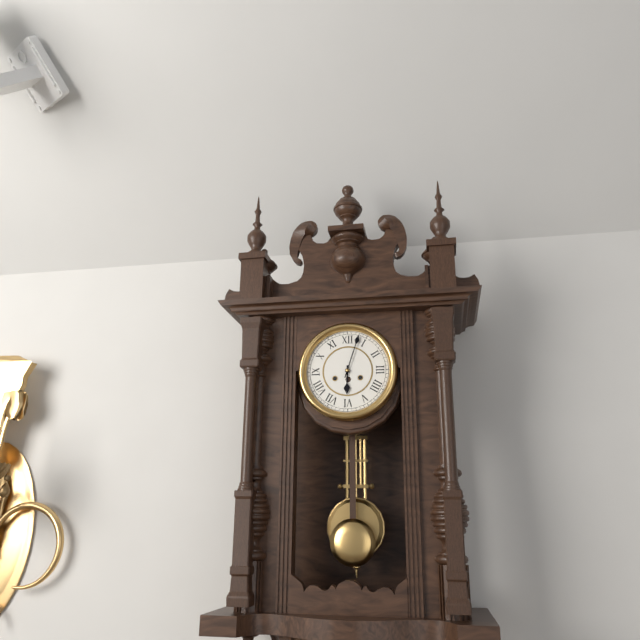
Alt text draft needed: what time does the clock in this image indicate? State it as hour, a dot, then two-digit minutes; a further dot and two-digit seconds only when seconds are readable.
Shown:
6.03
